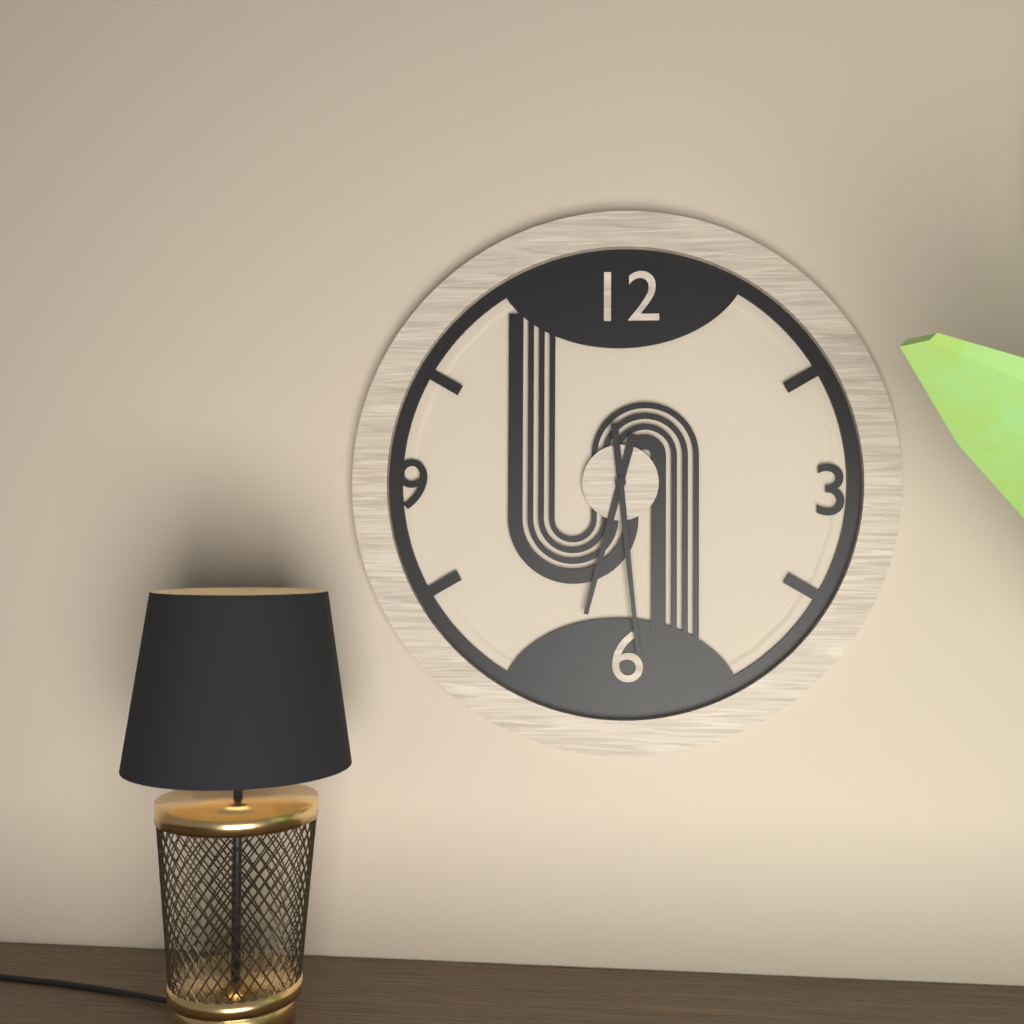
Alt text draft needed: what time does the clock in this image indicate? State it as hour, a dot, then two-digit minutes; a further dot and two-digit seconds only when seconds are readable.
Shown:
6.29
